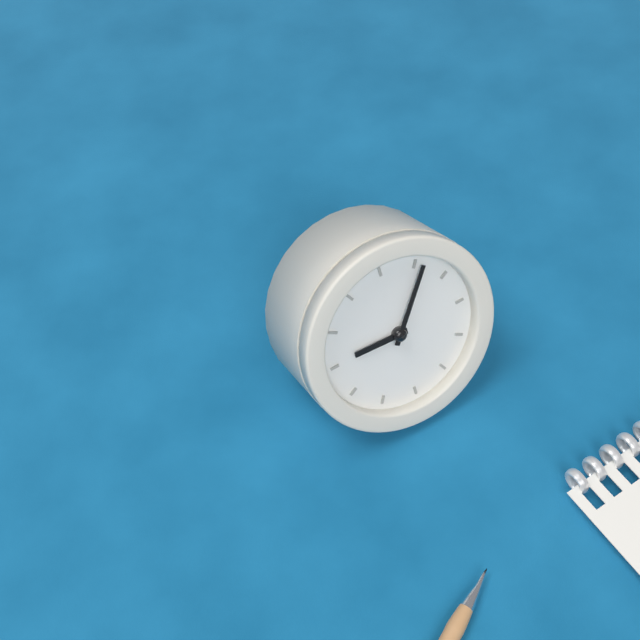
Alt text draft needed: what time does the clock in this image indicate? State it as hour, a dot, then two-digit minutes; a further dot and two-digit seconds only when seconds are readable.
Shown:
9.06
